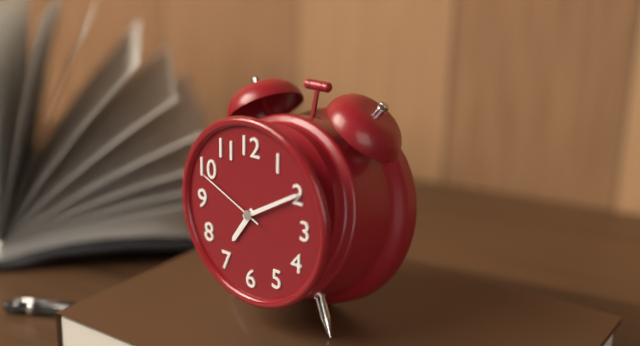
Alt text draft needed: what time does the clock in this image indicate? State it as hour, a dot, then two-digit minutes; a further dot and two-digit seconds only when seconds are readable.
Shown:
7.10.49
